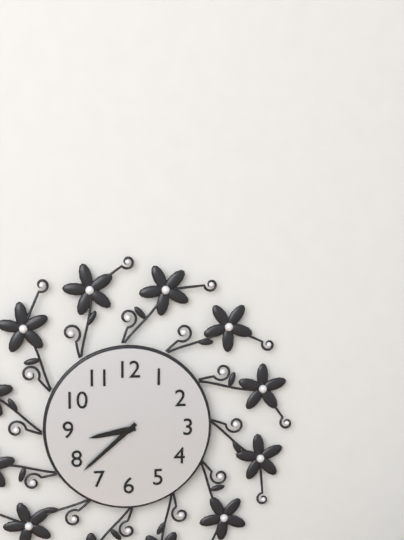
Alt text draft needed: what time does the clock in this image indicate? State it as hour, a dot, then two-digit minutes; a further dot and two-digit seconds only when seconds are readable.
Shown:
8.38
